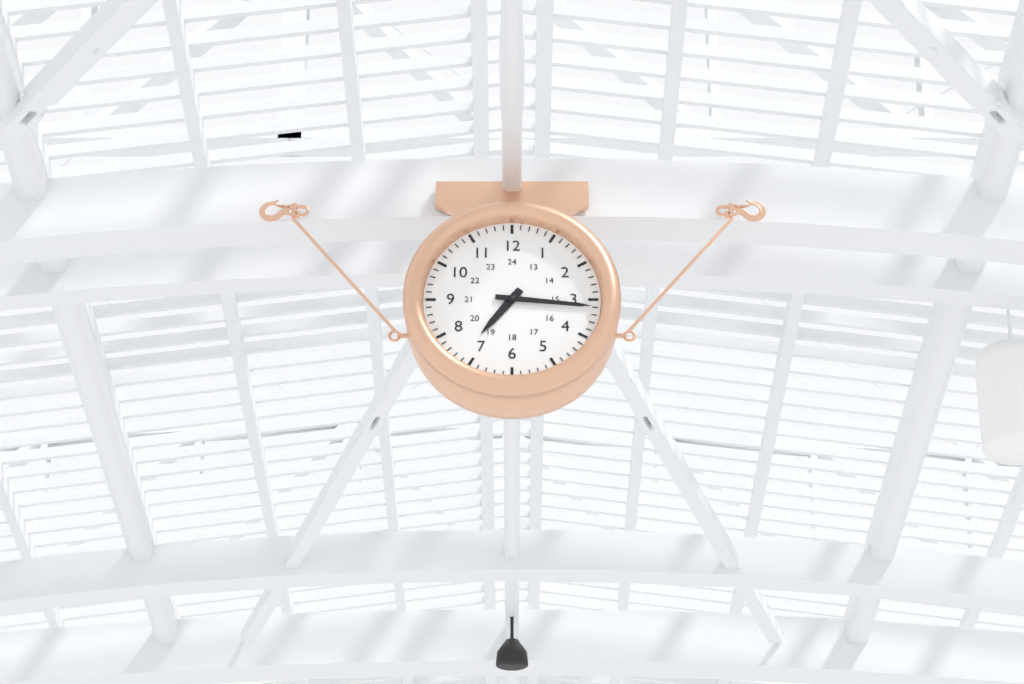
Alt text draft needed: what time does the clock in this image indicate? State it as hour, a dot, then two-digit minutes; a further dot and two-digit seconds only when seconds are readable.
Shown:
7.16
